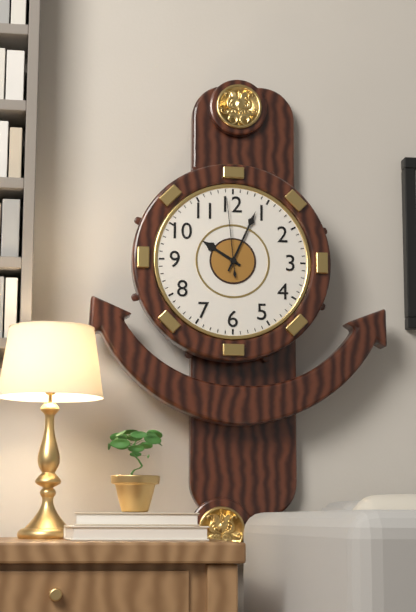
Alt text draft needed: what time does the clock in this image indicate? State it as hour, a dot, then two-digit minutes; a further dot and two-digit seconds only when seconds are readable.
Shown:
10.04.59
